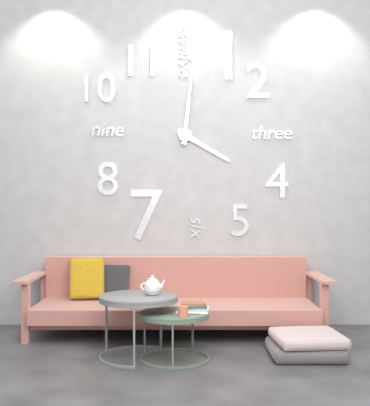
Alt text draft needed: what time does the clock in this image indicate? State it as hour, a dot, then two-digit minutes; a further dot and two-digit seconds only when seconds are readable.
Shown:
4.01
